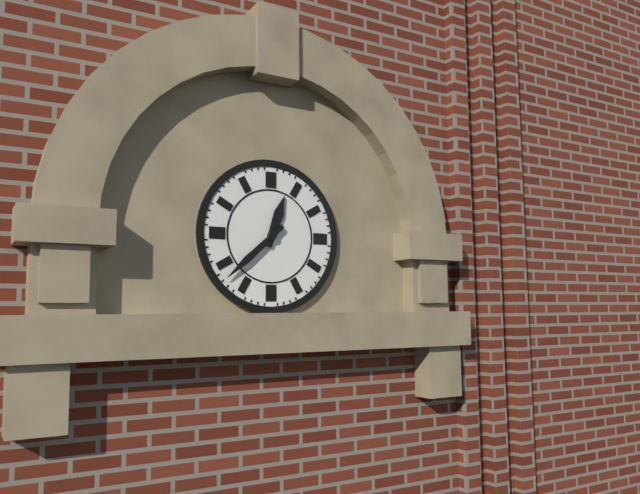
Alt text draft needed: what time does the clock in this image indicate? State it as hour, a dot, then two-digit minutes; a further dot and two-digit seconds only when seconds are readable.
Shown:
12.38
